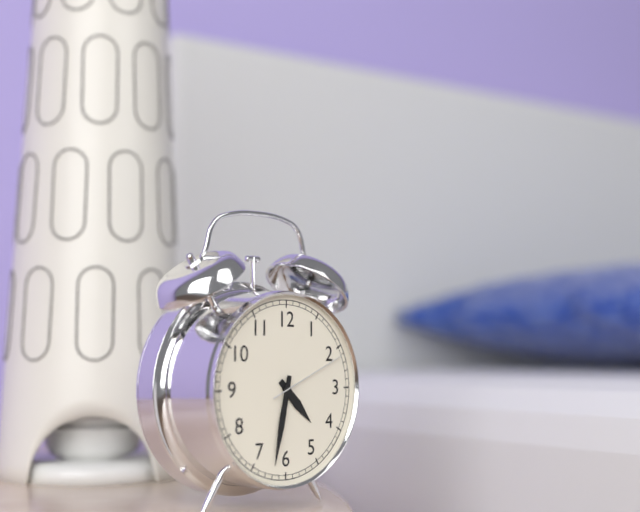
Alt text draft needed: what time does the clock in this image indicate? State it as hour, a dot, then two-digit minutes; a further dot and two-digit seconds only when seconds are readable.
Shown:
4.32.11
